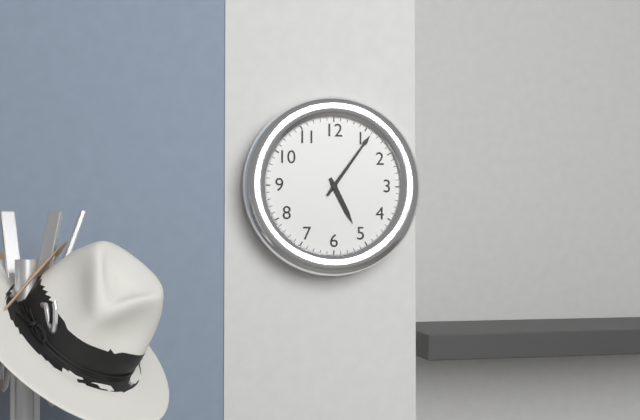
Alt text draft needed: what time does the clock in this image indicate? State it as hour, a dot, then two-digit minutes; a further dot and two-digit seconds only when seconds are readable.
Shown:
5.06
